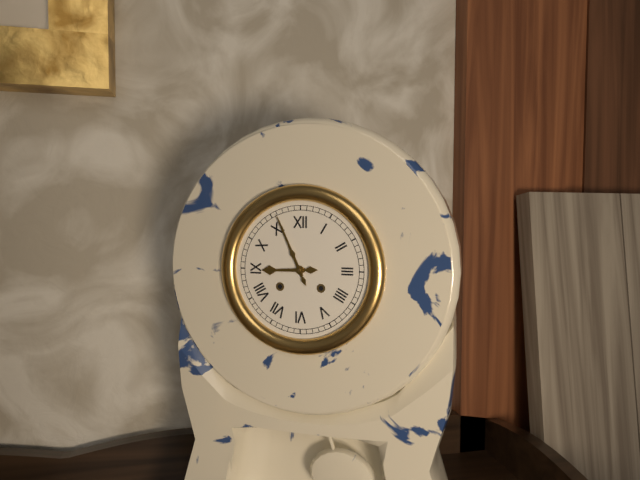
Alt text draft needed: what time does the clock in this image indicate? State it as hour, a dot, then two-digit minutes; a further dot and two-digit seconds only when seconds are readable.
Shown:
8.56
